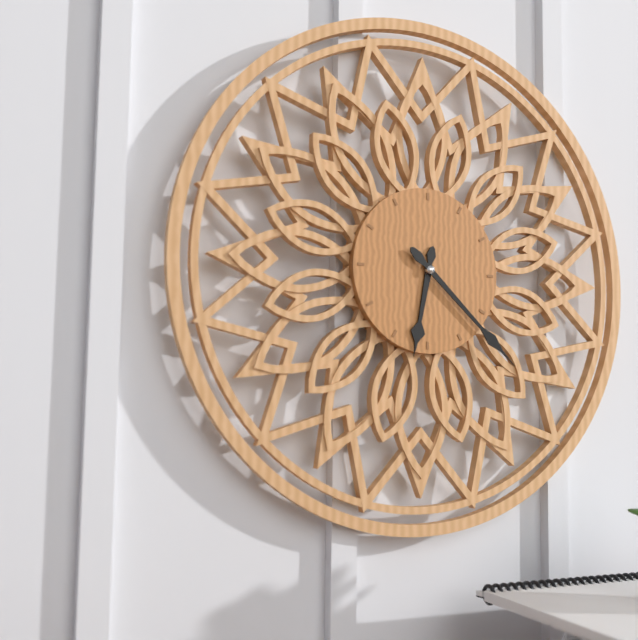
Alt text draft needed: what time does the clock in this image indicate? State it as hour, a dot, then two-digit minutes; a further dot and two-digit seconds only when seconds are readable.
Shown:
6.22
